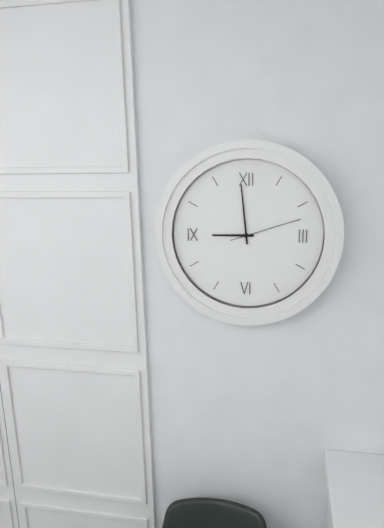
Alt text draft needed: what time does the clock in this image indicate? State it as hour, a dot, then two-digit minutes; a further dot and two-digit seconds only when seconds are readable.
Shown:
8.59.12
